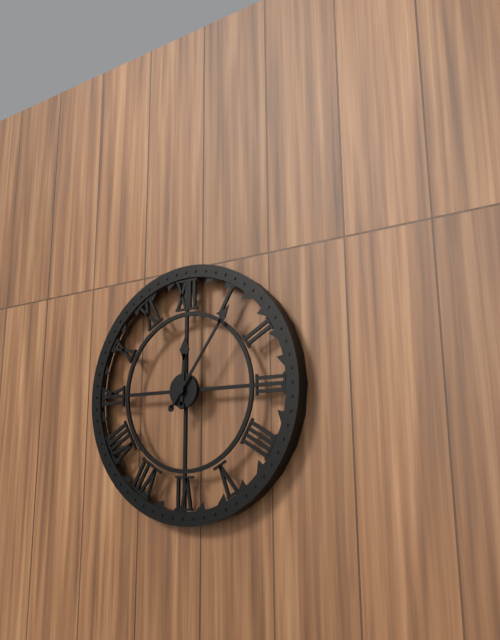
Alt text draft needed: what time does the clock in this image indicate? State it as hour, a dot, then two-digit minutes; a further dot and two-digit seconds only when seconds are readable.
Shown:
12.06
